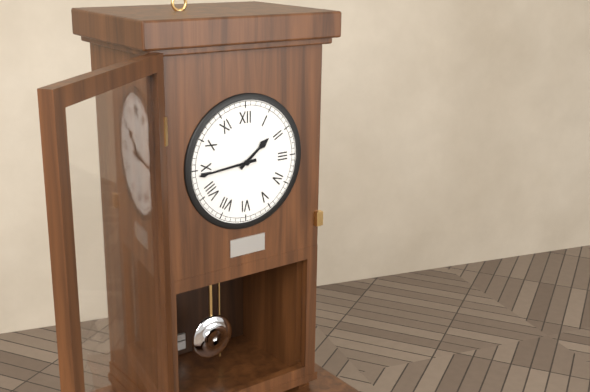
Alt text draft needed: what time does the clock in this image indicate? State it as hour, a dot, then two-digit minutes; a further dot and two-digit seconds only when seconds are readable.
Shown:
1.44
